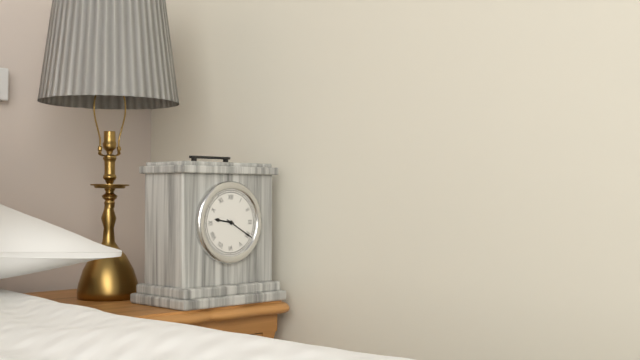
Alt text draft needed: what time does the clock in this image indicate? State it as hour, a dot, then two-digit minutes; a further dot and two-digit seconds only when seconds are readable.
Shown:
9.20
